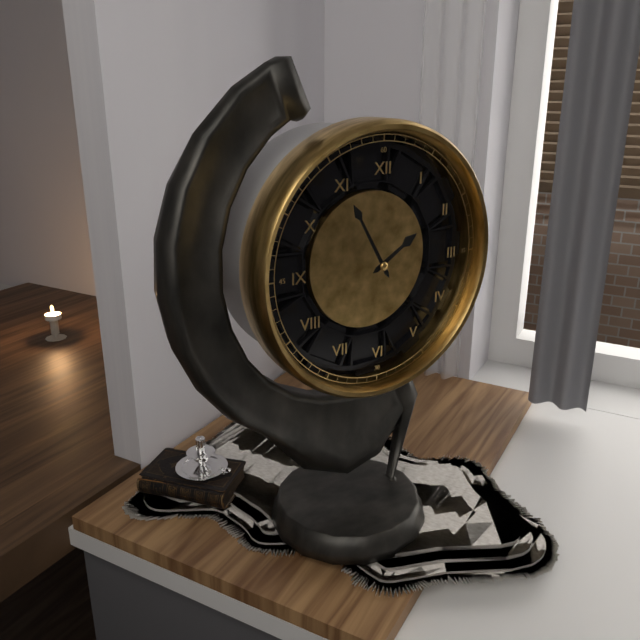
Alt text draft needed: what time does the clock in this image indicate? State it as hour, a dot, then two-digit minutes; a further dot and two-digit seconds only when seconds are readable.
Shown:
1.55
